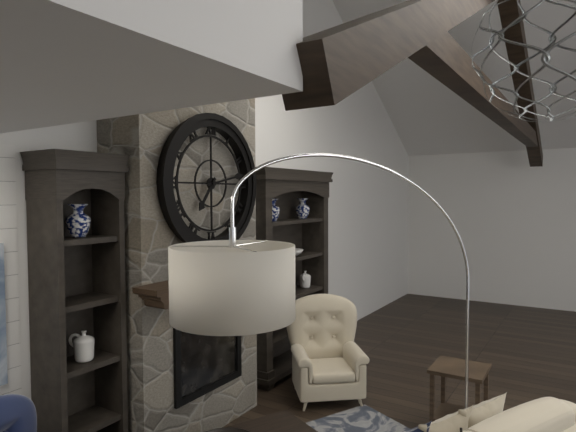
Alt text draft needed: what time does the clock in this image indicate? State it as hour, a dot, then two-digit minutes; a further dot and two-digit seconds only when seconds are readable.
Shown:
7.13
